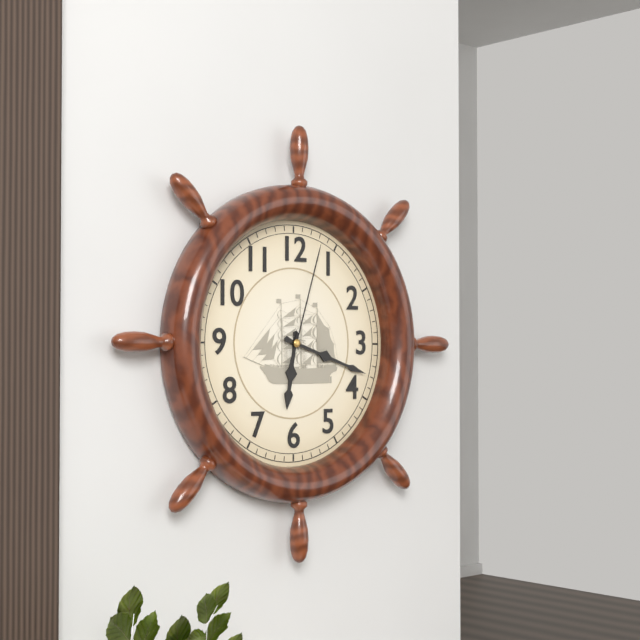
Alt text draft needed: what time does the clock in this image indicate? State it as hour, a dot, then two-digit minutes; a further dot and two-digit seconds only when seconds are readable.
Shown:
6.18.03
